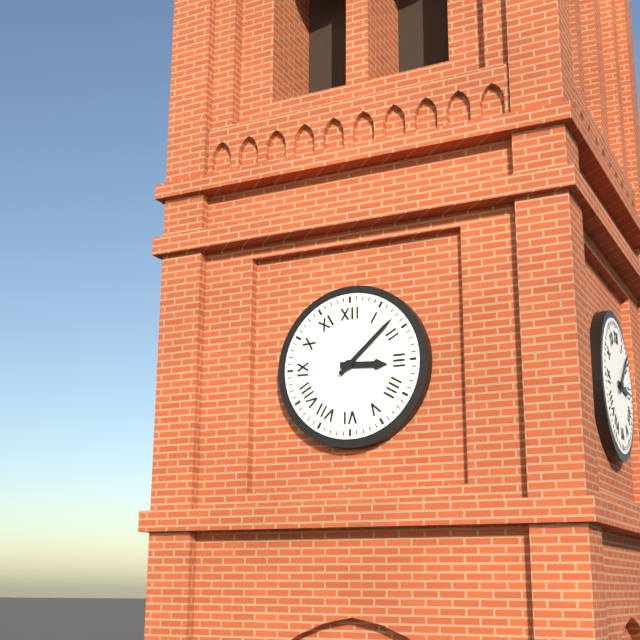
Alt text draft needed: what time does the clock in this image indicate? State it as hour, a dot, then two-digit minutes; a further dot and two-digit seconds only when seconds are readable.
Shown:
3.08
